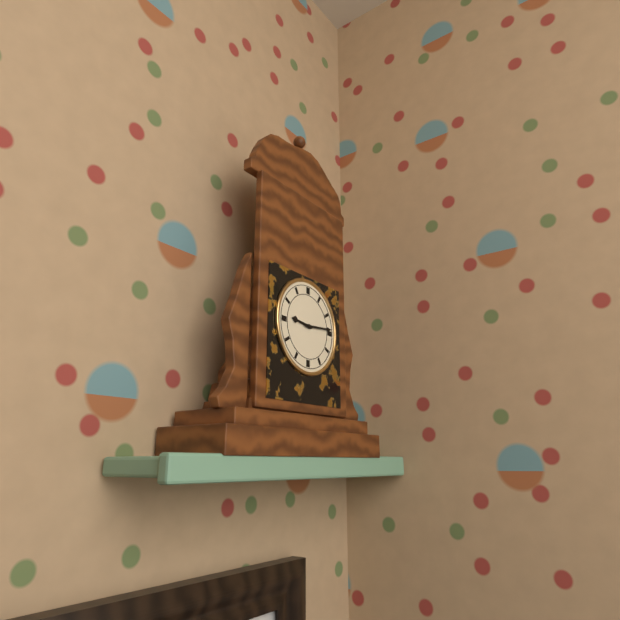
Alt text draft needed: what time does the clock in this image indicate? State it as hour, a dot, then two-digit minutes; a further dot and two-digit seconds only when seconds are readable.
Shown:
9.14
